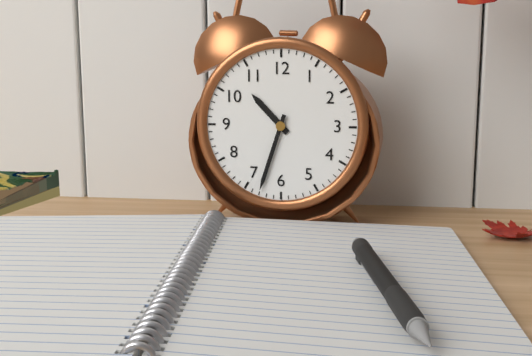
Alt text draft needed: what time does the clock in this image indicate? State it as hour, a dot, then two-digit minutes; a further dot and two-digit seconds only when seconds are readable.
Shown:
10.33
